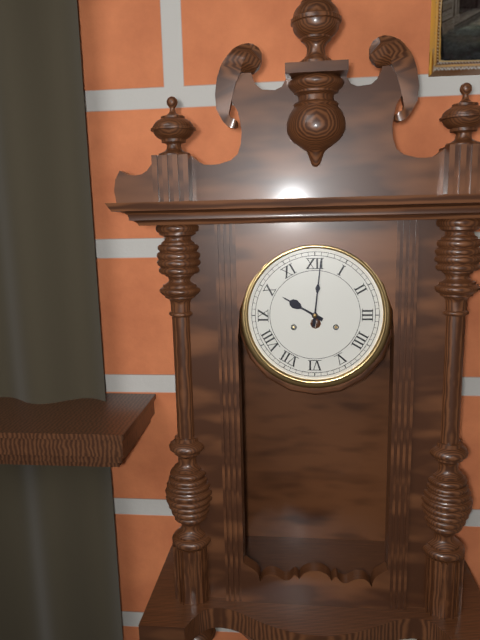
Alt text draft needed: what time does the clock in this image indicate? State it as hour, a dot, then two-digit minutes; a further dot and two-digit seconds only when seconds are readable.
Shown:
10.01
